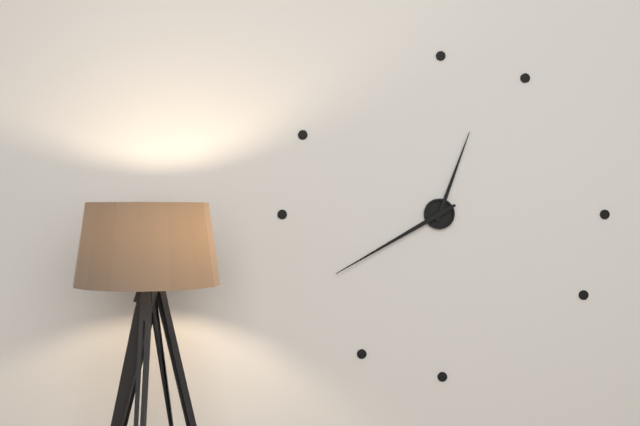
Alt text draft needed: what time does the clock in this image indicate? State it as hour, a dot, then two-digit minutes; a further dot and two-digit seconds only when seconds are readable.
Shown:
12.40
